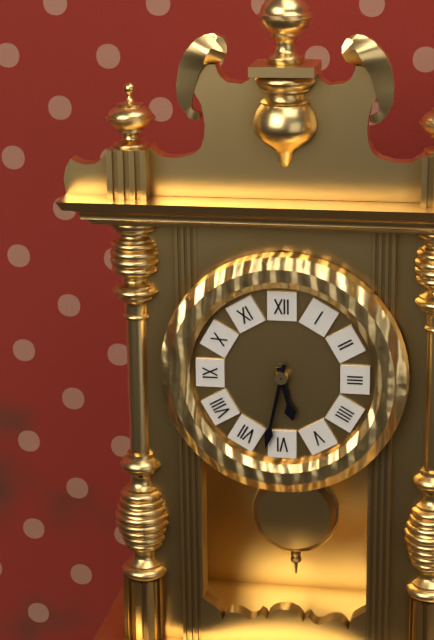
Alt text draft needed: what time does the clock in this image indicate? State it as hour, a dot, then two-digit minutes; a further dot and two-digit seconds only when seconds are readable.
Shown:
5.32
